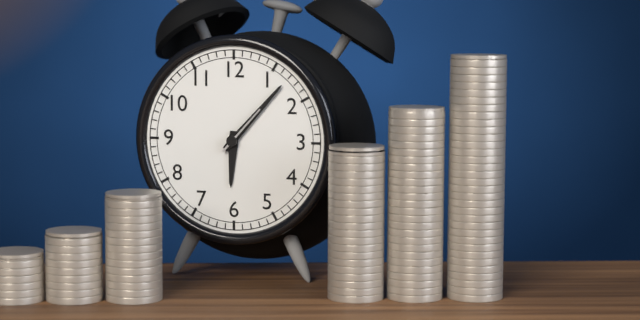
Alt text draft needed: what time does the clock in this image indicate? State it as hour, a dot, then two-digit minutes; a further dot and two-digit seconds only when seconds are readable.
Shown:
6.07.07
